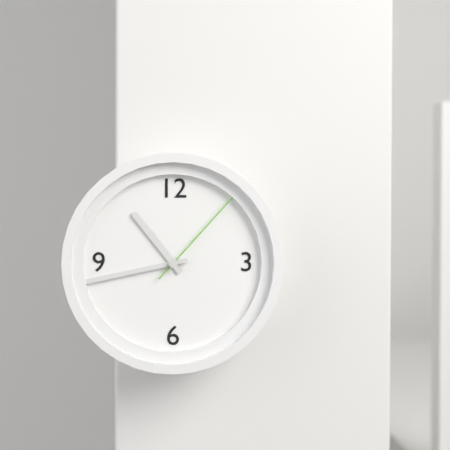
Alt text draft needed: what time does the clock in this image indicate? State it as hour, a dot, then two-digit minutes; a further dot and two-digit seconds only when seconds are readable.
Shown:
10.43.07
